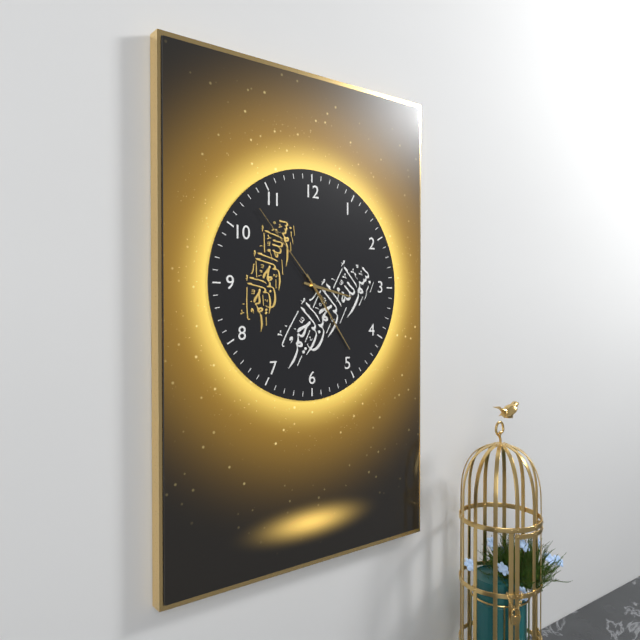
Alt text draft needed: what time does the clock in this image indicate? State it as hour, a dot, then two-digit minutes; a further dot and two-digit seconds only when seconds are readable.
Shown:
3.24.53
